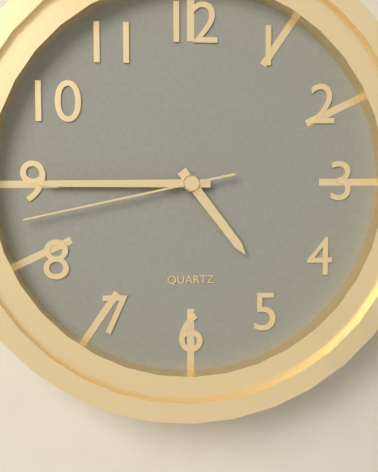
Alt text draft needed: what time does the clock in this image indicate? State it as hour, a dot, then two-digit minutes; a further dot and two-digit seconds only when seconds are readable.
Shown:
4.45.43
